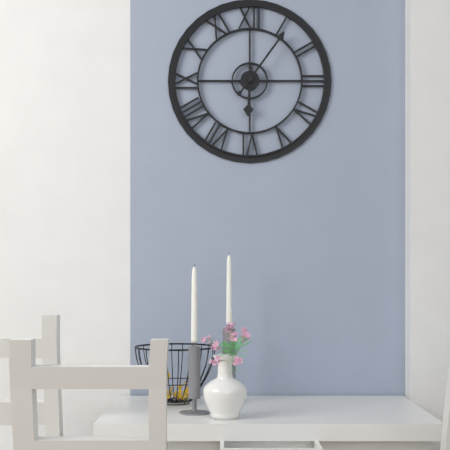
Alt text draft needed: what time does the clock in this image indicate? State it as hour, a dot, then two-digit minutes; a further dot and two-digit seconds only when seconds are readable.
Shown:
6.06
